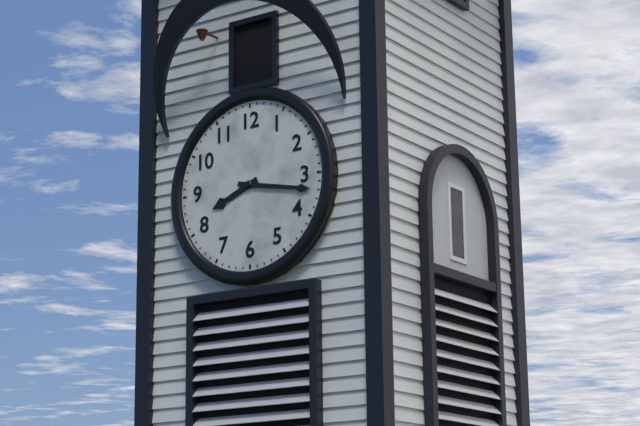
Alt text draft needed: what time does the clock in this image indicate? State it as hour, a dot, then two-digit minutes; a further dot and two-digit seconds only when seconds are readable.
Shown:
8.17
